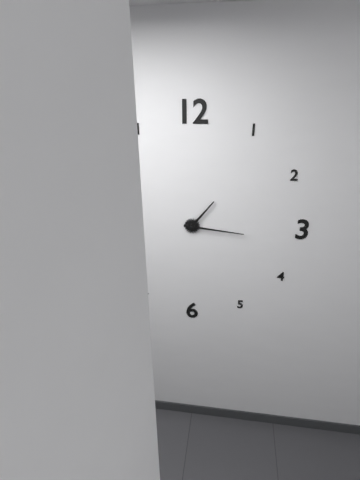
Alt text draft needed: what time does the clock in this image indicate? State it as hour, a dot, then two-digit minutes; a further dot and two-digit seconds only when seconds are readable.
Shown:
1.16
